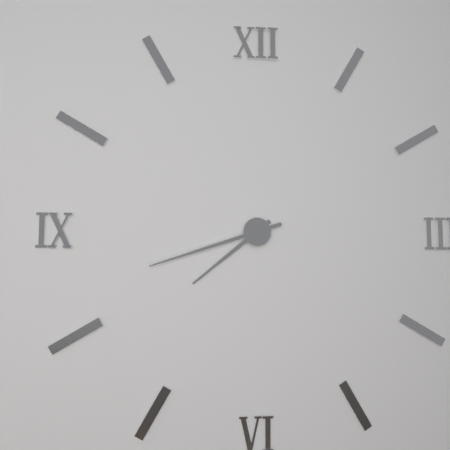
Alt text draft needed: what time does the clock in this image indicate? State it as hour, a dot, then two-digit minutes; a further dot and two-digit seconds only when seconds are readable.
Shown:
7.42
